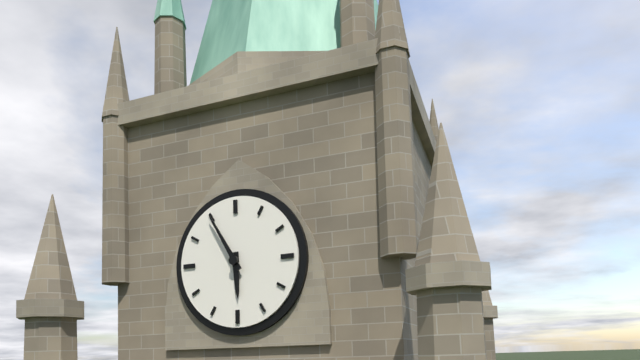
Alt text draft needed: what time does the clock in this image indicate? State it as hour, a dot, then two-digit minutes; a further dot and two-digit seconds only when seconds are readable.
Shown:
5.55
